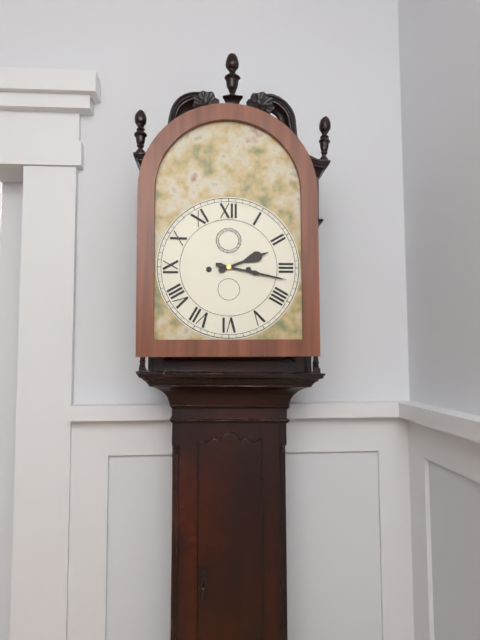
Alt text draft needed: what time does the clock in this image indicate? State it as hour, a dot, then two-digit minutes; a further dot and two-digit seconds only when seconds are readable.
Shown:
2.17
